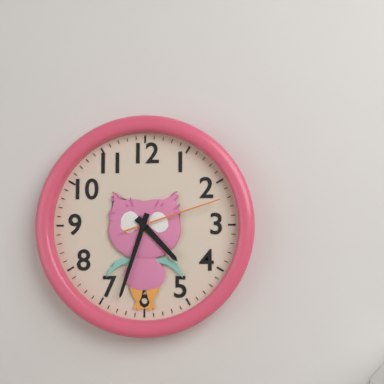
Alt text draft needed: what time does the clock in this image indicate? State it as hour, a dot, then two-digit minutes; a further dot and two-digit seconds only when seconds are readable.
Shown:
4.33.12
